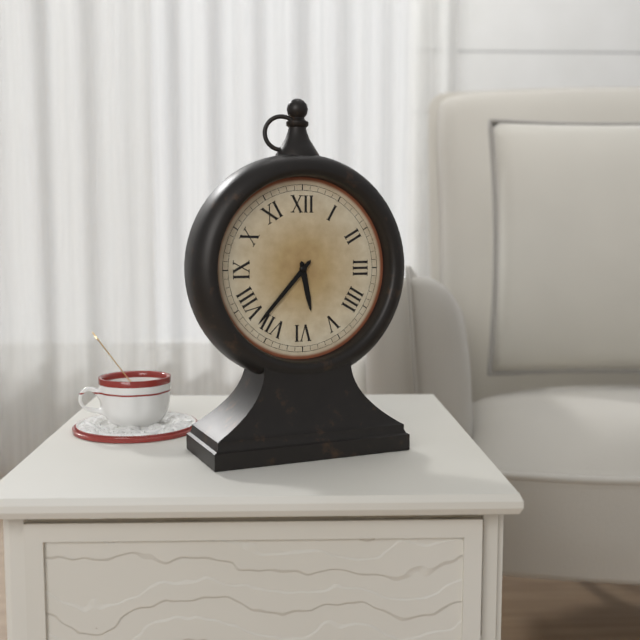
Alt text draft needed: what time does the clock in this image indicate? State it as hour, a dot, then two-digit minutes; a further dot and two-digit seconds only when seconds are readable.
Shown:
5.37
